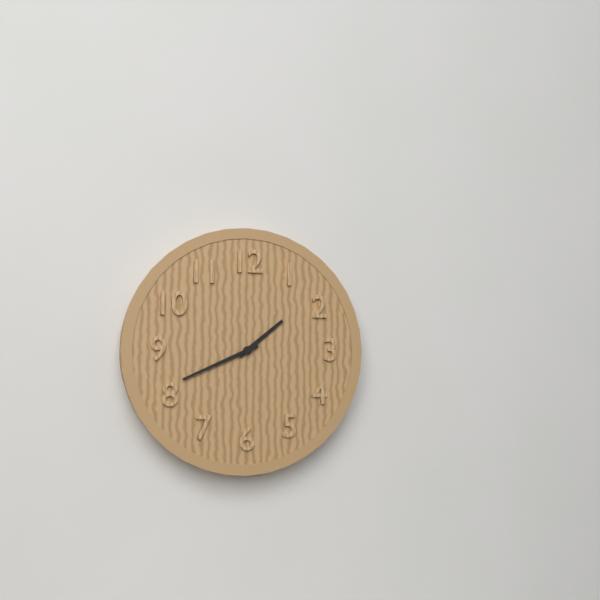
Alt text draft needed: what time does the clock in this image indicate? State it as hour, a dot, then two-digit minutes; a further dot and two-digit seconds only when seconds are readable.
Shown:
1.41
